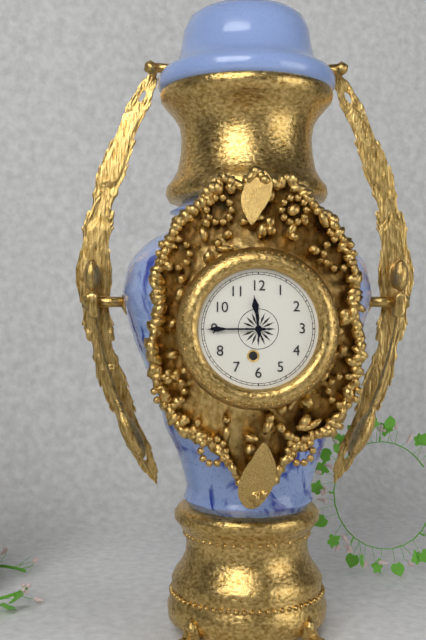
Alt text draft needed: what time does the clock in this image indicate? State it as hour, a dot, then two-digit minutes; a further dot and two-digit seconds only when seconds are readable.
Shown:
11.45
